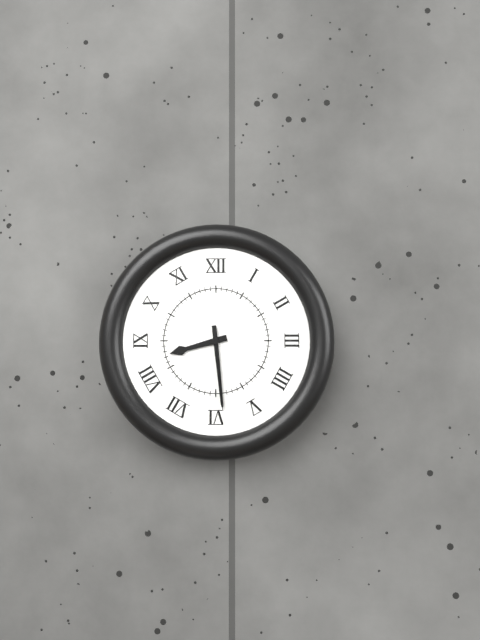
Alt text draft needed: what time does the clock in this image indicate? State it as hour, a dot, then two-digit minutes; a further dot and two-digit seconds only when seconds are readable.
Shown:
8.29
